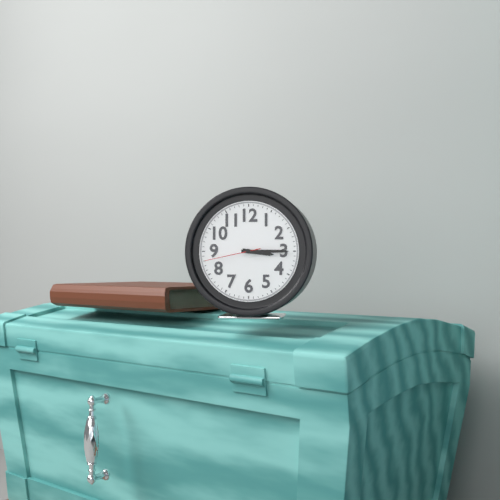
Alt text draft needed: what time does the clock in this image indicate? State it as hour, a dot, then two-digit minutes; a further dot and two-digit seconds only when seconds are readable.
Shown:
3.15.43
